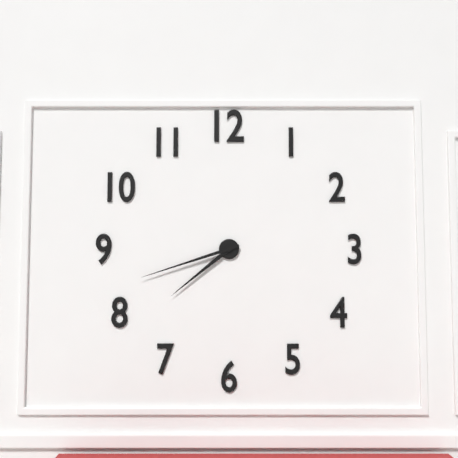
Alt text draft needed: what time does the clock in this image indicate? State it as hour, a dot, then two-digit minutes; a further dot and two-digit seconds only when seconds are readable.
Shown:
7.42
